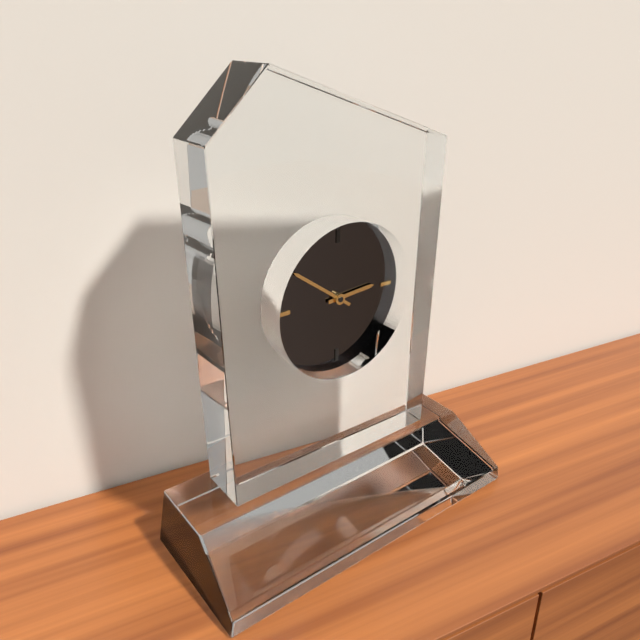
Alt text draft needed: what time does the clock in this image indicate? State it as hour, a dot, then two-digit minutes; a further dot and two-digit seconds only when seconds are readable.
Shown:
2.51
